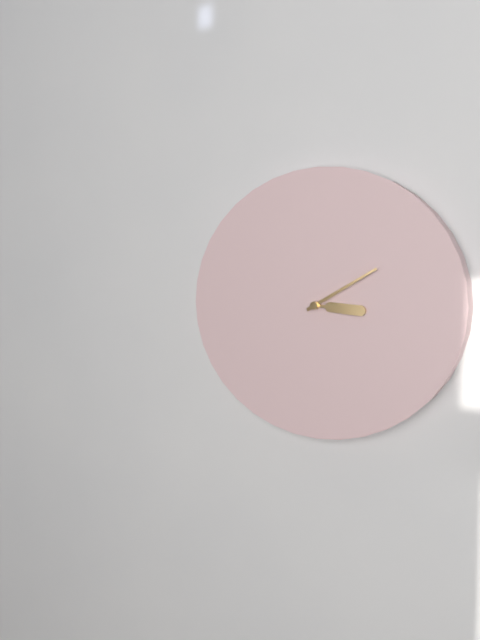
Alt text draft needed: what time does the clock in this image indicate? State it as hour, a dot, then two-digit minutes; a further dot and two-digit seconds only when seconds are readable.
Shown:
3.10
